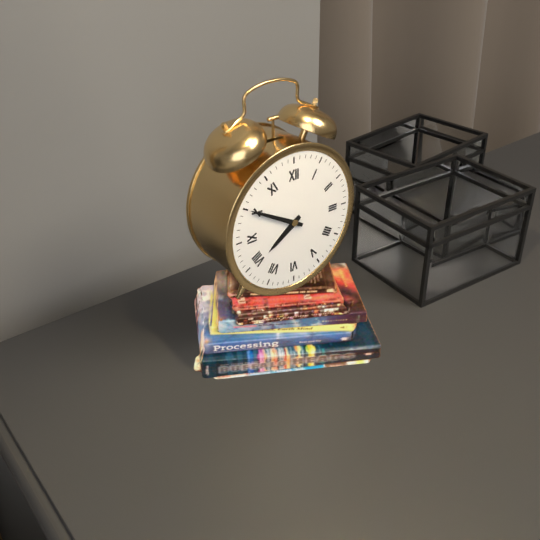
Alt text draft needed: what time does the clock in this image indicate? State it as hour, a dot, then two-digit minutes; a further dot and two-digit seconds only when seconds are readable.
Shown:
7.50
